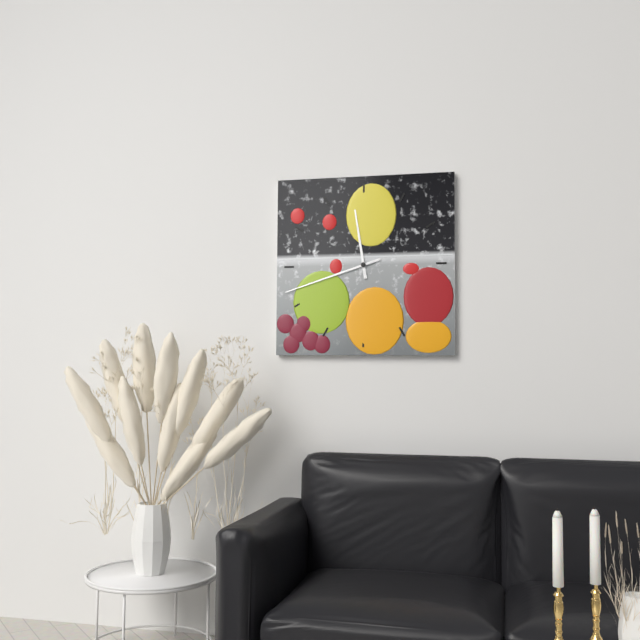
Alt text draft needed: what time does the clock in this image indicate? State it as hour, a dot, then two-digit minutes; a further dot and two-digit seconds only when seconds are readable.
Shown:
11.42
